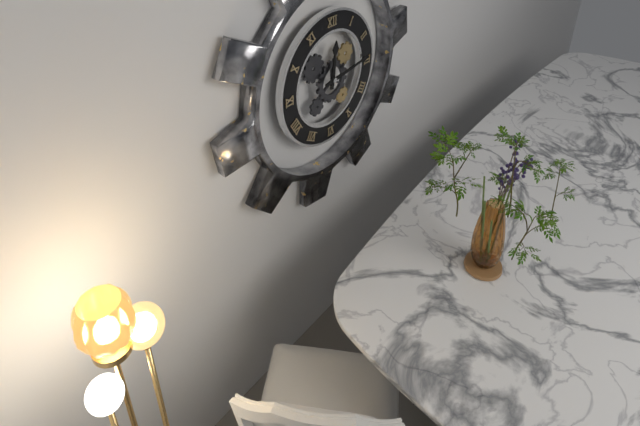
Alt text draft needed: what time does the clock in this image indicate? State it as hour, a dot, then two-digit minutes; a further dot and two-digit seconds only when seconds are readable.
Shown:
12.14
